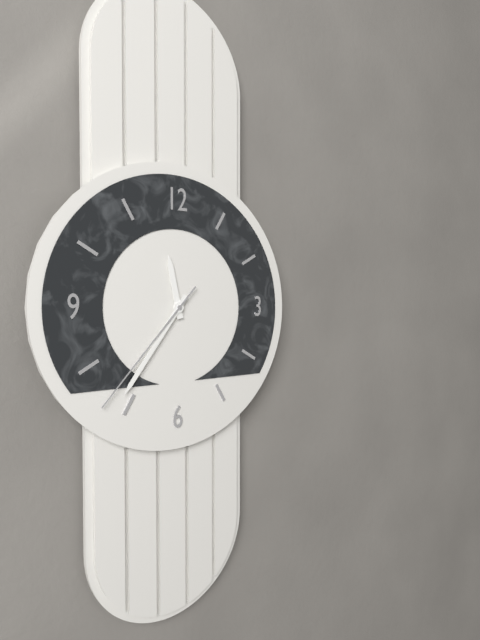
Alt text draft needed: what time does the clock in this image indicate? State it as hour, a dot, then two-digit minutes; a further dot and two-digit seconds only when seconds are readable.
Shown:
11.36.37
